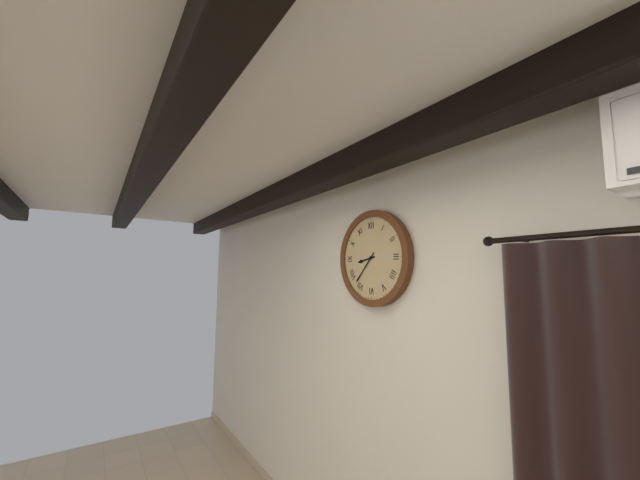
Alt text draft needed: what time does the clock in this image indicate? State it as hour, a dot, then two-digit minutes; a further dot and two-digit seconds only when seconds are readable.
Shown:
8.37
